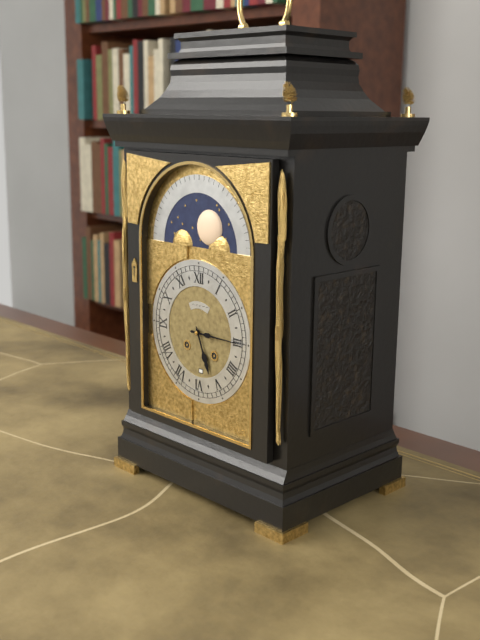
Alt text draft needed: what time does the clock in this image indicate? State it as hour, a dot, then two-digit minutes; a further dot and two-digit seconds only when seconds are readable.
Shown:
5.15
